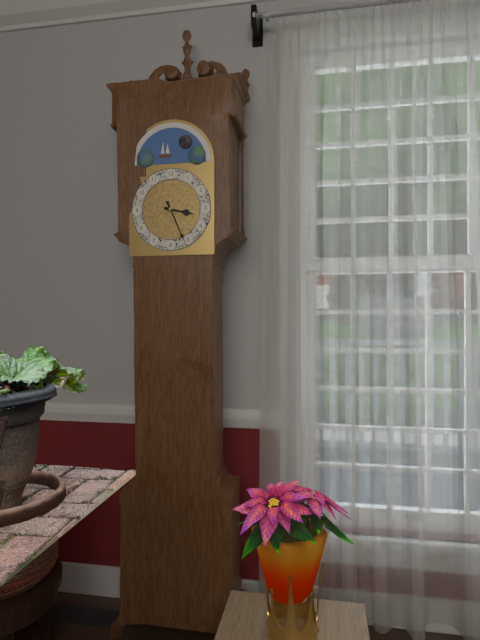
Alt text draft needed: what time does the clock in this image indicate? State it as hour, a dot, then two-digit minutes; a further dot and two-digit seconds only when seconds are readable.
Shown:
3.26
